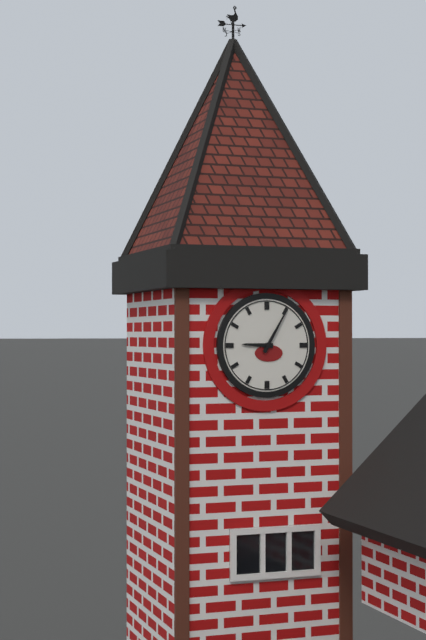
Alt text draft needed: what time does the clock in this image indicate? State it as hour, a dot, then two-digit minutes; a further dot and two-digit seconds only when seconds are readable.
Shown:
9.05
